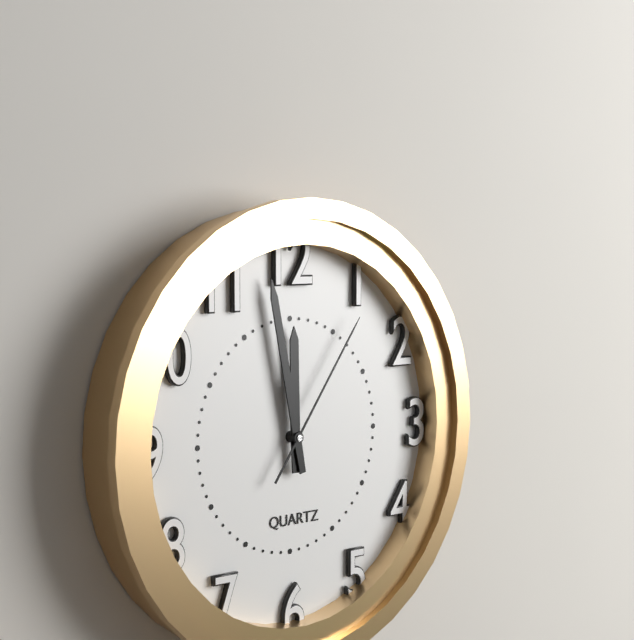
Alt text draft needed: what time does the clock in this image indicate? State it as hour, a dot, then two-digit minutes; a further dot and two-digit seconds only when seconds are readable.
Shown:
11.58.06
